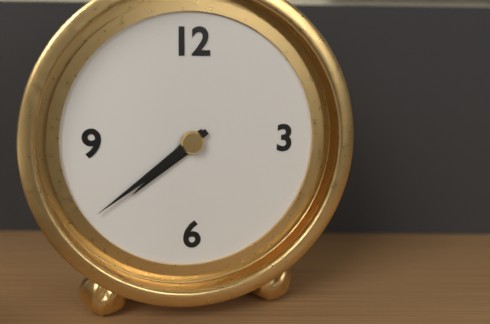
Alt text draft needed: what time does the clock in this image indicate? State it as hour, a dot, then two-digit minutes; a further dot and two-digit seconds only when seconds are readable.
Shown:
7.39
